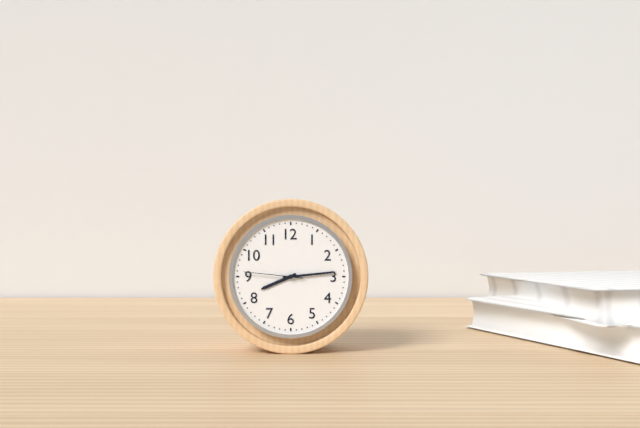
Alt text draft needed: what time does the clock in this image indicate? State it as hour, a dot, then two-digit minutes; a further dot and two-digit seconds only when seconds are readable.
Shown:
8.14.46
